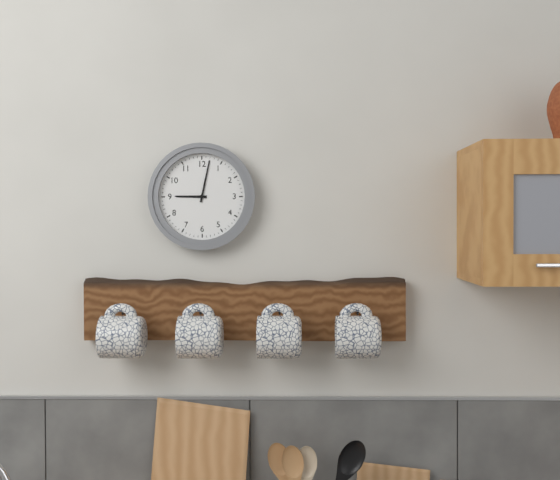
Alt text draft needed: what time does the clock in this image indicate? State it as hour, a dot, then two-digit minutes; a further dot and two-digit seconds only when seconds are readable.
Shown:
9.02
